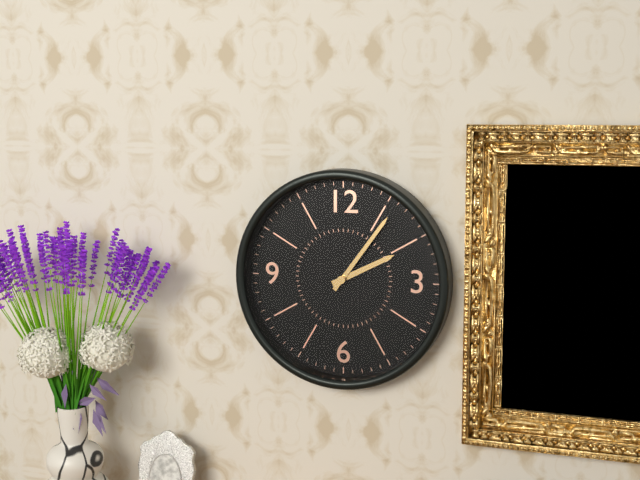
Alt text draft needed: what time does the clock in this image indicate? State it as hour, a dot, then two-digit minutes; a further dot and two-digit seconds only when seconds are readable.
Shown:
2.06
